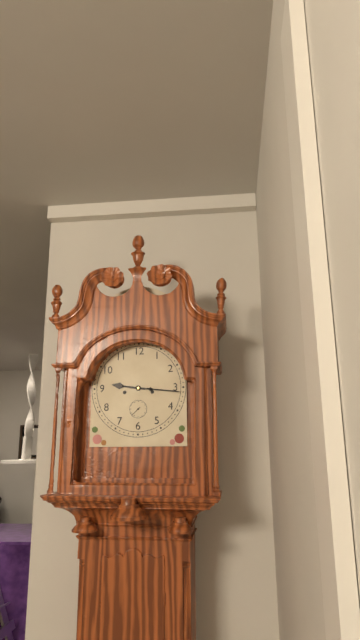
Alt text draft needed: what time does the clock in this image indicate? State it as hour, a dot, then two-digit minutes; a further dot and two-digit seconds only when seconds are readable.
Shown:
9.16
